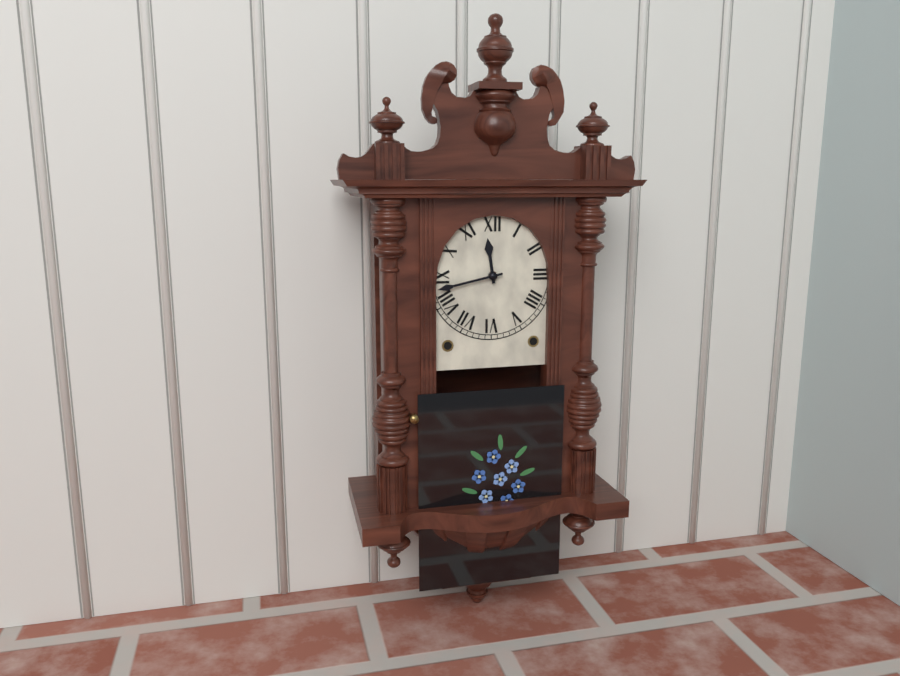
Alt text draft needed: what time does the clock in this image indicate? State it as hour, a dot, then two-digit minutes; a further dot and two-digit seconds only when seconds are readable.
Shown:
11.43
